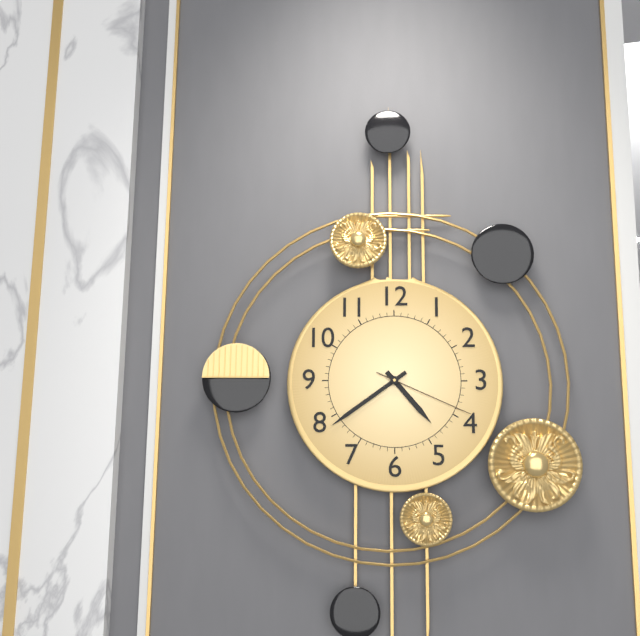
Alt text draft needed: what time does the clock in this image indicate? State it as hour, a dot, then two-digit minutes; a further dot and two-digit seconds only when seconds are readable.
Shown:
4.39.19
